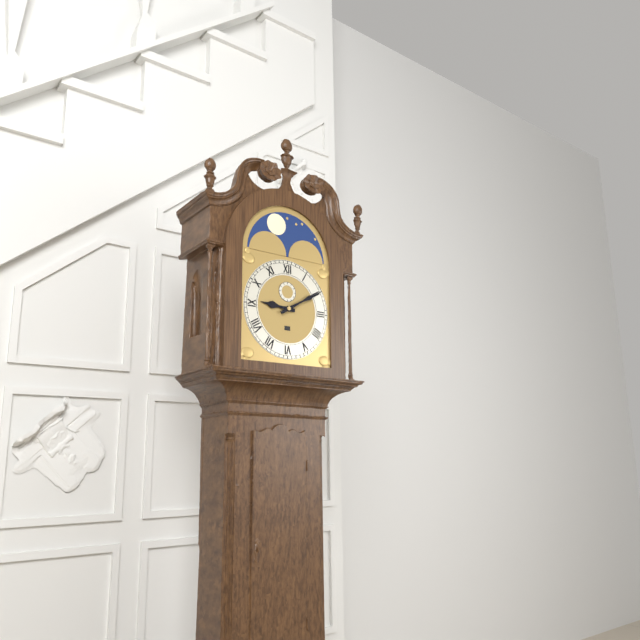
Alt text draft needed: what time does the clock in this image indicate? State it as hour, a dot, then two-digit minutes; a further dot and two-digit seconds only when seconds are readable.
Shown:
9.10
